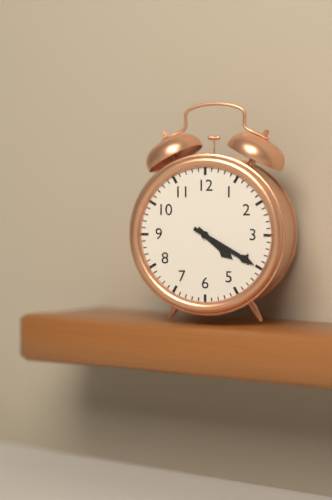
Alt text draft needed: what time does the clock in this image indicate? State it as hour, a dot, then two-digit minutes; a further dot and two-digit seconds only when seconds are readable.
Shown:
4.20
